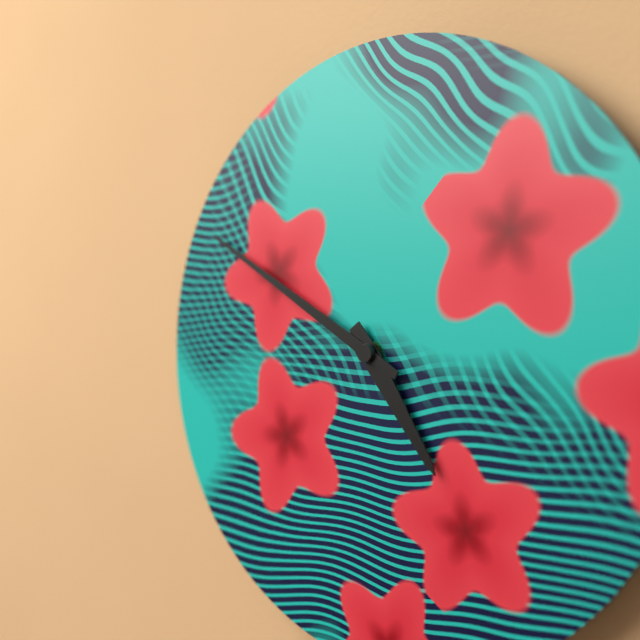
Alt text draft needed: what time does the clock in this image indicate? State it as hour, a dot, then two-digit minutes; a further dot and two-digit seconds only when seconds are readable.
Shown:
4.50
